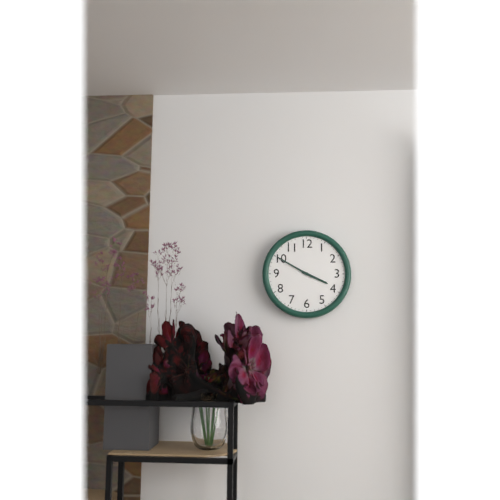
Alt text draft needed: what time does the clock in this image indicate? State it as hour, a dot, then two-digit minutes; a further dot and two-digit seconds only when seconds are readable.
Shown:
3.50
